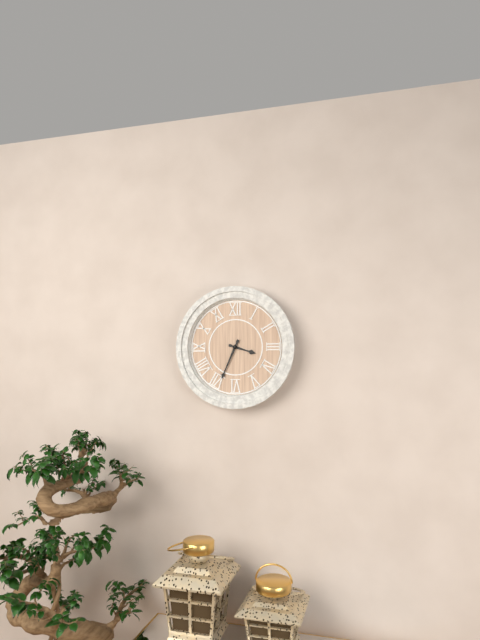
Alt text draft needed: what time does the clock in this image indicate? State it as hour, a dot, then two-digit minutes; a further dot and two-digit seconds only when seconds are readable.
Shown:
3.34
